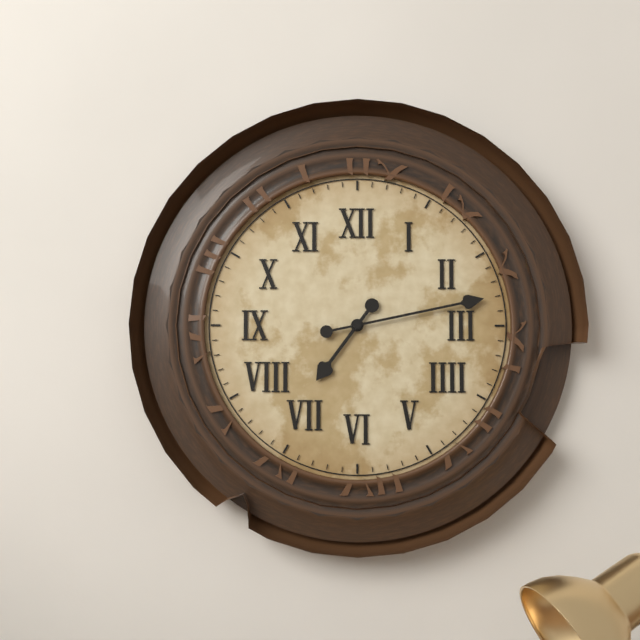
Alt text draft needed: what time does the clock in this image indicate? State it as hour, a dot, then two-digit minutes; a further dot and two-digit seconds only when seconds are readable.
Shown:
7.13
